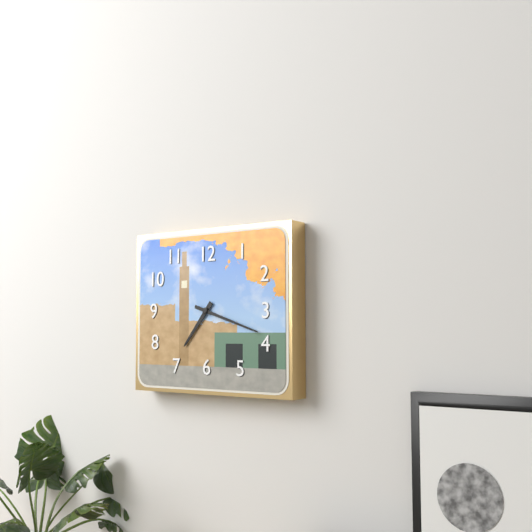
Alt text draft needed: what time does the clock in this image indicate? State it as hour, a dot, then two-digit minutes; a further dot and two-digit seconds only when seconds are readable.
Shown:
7.18
